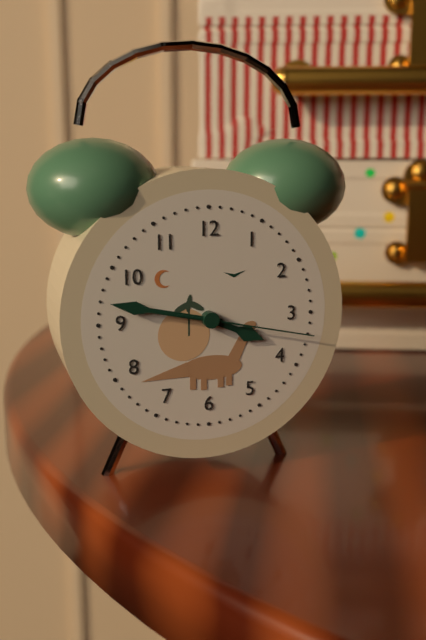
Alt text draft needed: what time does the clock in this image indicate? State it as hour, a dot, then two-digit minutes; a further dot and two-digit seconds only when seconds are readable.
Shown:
3.47.17
